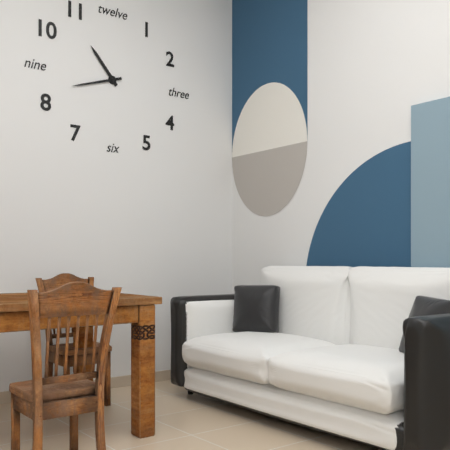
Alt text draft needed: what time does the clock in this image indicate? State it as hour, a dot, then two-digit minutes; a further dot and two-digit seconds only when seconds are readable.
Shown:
10.42
